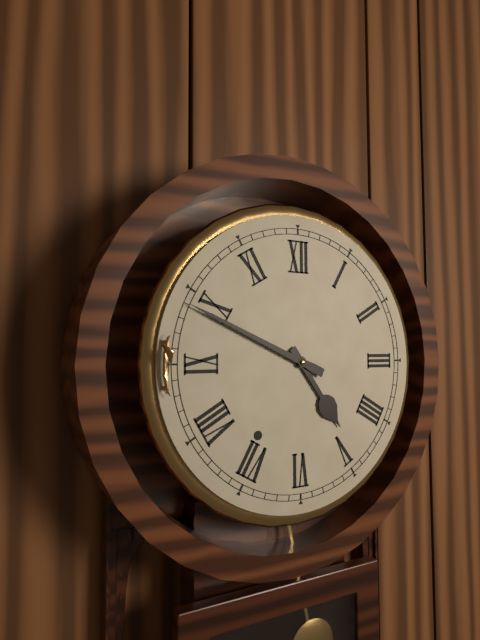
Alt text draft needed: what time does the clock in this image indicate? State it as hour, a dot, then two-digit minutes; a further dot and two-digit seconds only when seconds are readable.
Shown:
4.49
